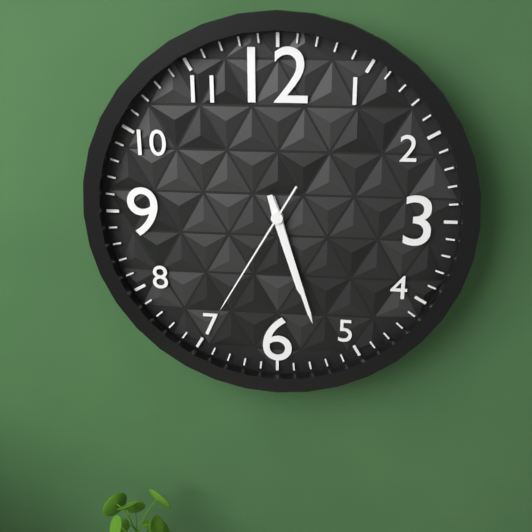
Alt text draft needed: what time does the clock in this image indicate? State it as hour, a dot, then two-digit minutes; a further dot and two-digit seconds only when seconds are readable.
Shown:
5.27.35
